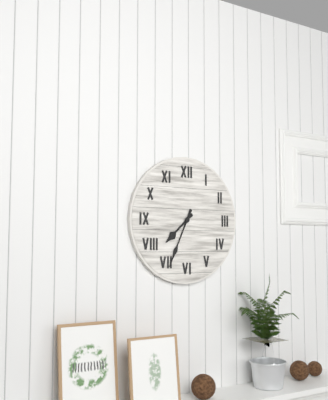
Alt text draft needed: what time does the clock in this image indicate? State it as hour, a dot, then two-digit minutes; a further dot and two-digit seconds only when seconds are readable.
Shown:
7.34
